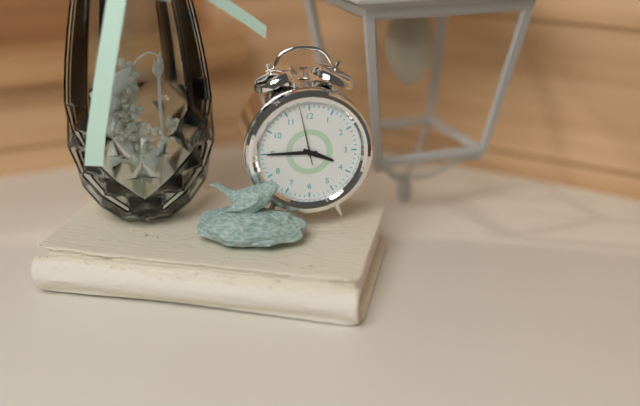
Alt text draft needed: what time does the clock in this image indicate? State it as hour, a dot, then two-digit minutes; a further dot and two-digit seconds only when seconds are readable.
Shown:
3.45.58
